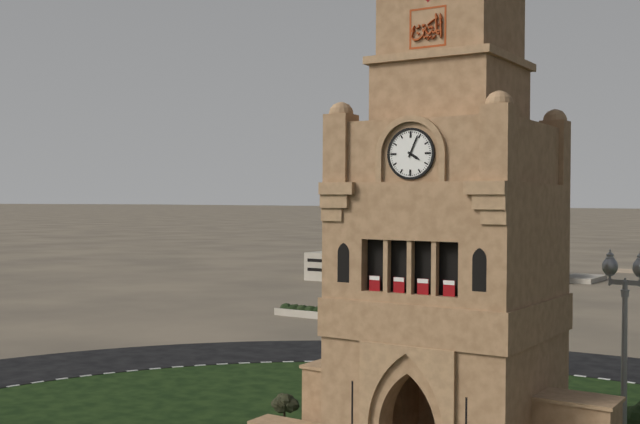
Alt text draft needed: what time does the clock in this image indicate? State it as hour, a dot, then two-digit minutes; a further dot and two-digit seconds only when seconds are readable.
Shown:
4.04
